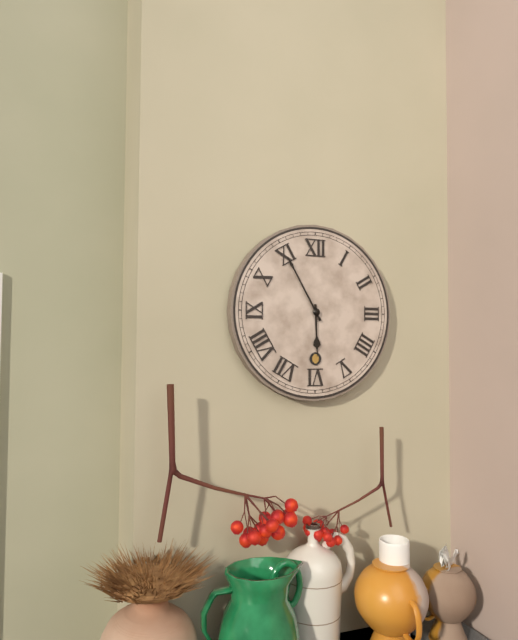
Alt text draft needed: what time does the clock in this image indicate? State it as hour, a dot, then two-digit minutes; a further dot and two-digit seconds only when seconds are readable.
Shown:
5.55
